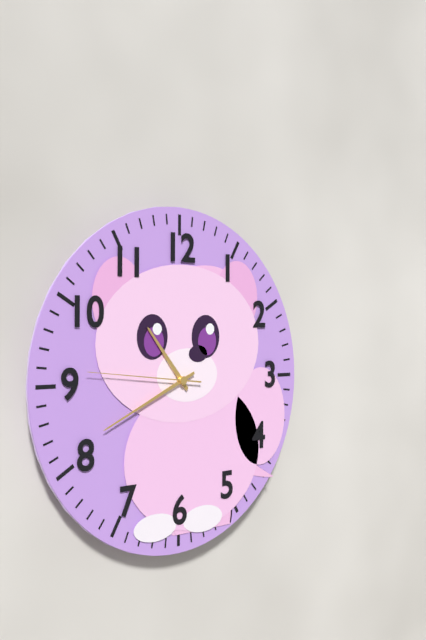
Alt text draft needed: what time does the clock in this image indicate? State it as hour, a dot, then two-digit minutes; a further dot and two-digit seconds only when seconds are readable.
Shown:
10.41.46
